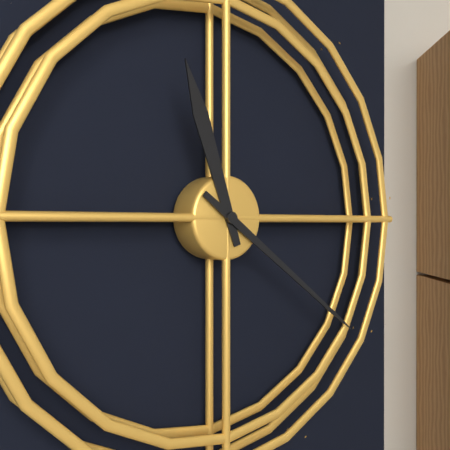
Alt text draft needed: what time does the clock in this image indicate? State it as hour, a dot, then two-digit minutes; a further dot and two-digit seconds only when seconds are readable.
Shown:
11.21
